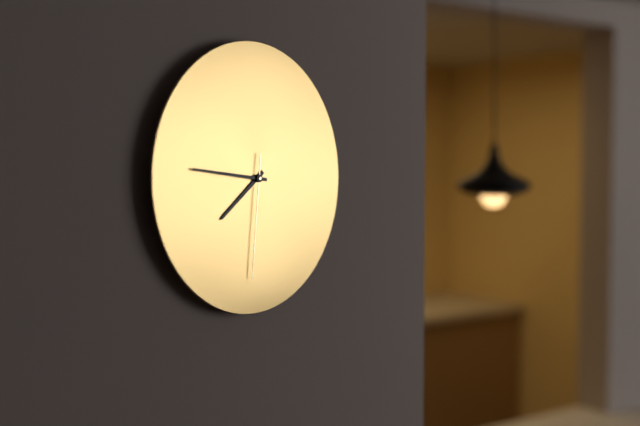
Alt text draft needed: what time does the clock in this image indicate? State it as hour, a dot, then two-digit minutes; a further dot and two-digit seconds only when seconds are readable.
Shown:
7.46.31
